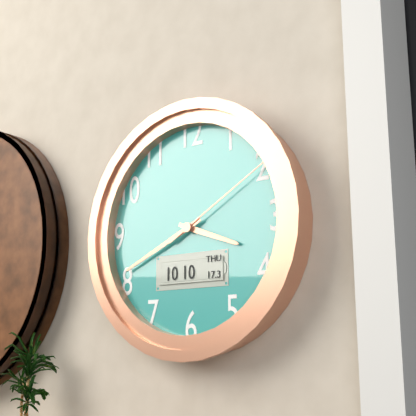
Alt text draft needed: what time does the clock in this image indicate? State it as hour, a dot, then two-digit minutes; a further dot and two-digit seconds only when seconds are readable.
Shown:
3.41.10
